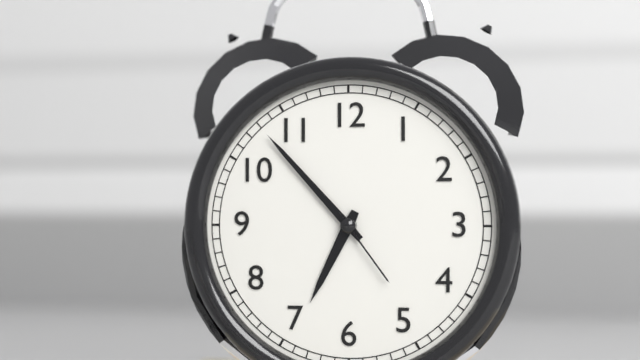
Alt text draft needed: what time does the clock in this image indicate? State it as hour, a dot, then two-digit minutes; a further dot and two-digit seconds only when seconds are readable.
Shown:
6.53.24
